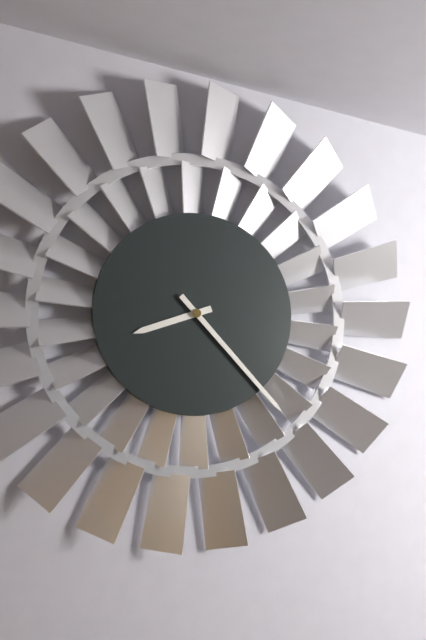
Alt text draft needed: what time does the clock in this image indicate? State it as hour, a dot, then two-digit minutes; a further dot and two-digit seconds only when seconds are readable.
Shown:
8.23
